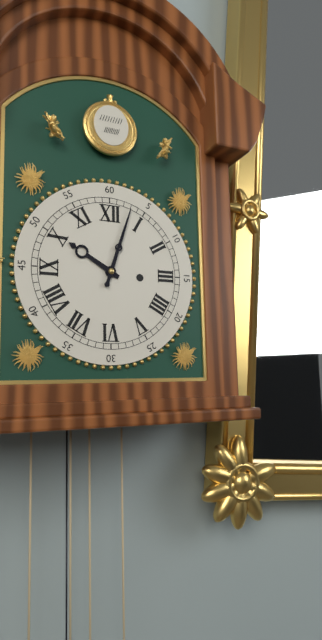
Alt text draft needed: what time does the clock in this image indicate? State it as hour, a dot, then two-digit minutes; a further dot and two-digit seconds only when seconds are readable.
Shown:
10.03
